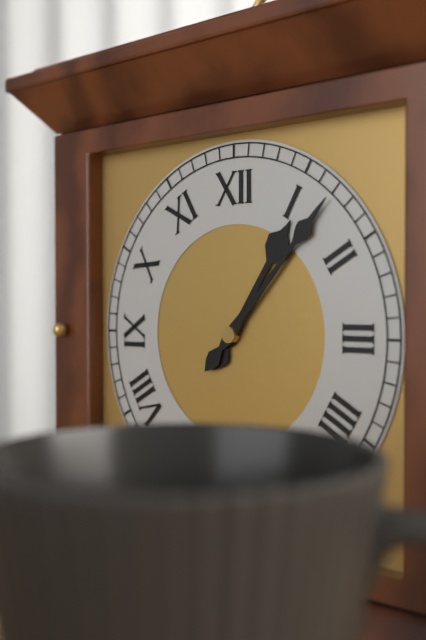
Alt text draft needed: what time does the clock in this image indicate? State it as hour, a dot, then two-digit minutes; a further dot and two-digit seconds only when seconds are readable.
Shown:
1.07
